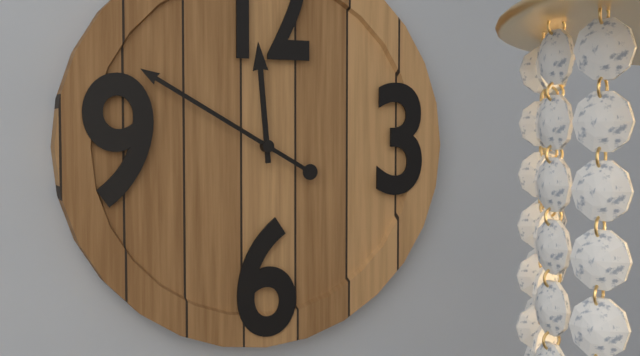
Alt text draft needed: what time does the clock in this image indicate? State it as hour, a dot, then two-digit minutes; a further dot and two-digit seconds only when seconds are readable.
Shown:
11.50
